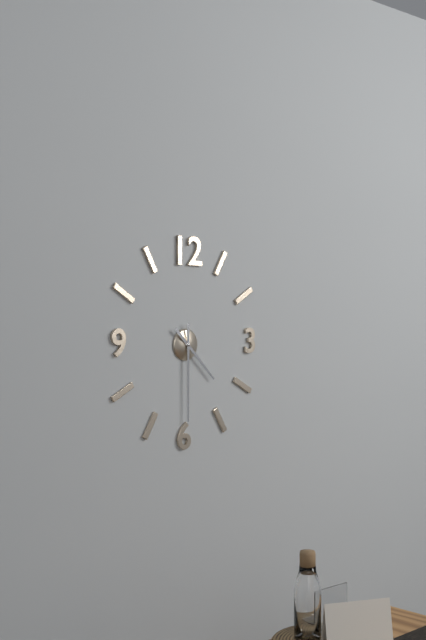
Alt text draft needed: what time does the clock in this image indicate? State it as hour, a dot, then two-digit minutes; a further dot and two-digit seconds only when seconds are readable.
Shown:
4.30
